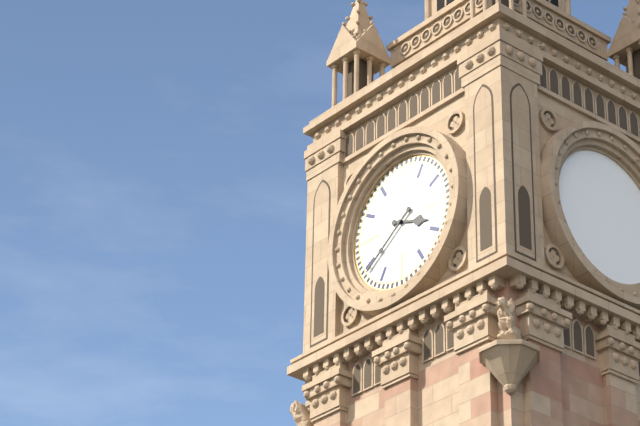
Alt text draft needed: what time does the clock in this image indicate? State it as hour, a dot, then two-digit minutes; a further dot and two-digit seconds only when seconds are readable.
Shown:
3.39
